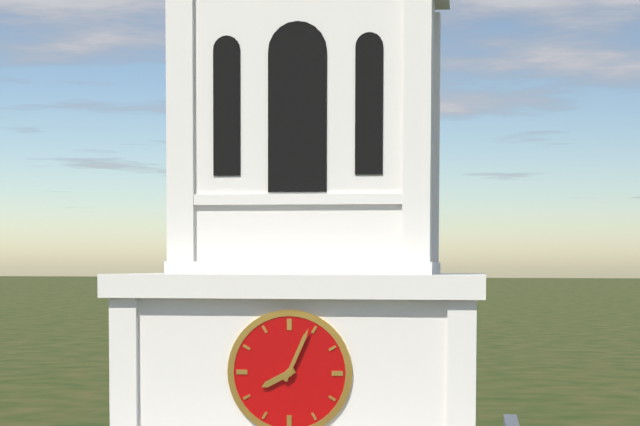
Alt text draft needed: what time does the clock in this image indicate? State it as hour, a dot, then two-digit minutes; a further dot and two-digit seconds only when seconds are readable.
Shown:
8.04
